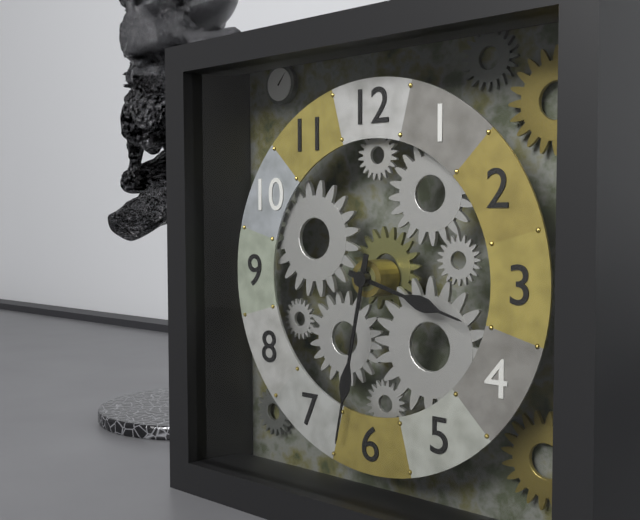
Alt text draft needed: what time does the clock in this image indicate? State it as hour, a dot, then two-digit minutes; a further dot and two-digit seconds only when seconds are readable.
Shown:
3.32
